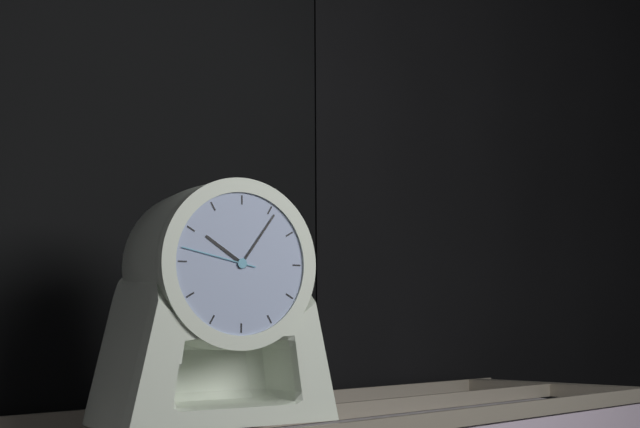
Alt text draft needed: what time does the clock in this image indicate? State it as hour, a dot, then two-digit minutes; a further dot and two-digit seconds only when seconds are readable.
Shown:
10.06.47
